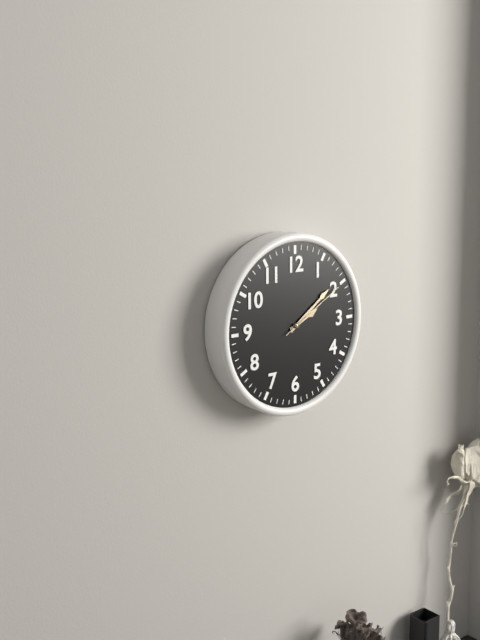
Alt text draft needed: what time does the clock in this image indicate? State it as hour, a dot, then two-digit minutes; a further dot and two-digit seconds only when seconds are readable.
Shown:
2.09.10
